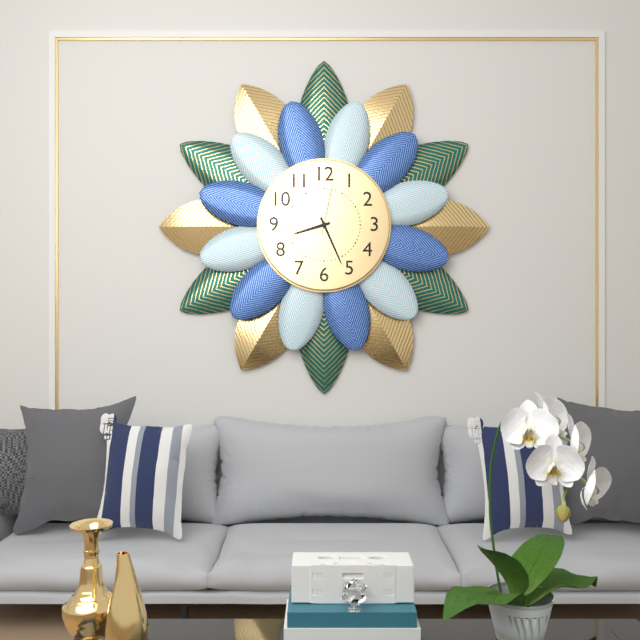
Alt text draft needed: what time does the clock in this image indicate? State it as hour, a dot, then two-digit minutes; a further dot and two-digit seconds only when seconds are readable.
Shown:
8.26.02
